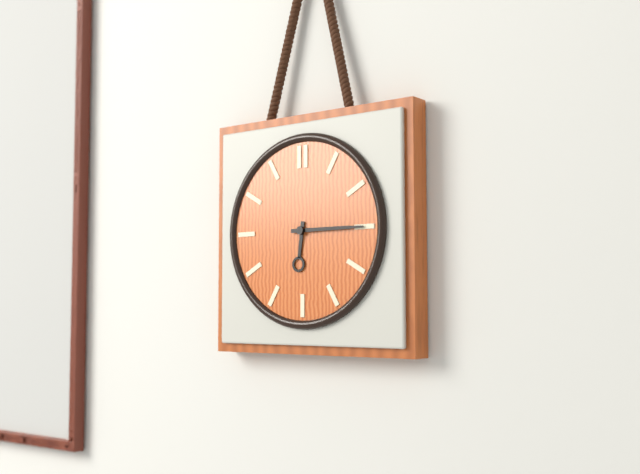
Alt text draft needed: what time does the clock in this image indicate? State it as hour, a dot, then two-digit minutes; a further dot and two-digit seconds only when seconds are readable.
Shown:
6.15
